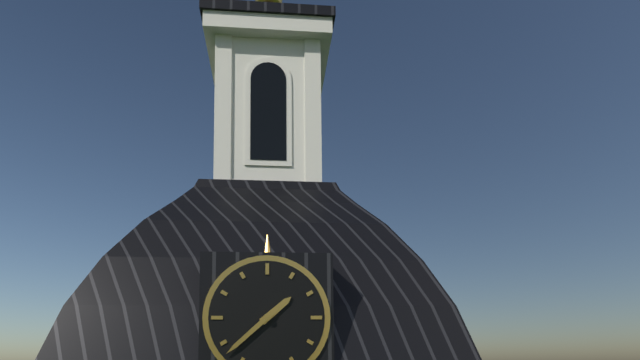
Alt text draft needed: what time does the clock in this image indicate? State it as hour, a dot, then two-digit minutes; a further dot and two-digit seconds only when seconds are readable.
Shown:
1.38
